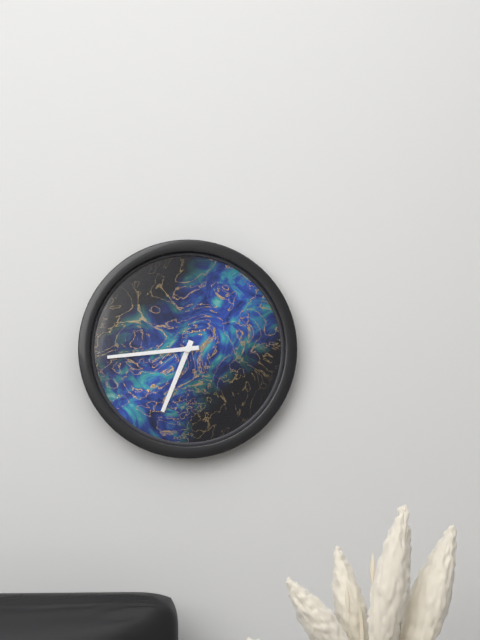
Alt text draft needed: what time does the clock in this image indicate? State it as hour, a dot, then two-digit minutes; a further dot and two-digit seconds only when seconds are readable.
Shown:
6.44
